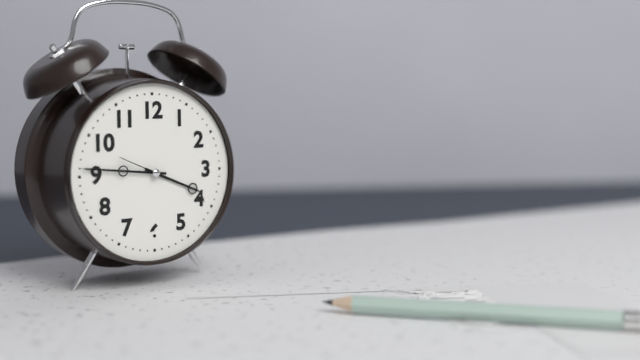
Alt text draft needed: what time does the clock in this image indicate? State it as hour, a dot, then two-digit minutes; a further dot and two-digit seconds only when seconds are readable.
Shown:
3.46.49
